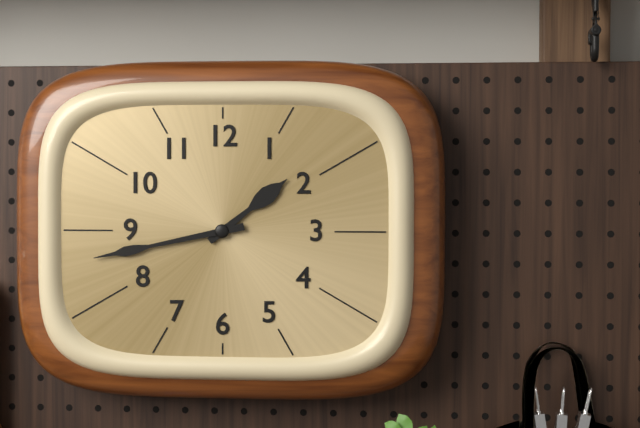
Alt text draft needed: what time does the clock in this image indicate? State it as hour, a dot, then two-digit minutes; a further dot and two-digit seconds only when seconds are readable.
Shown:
1.43
